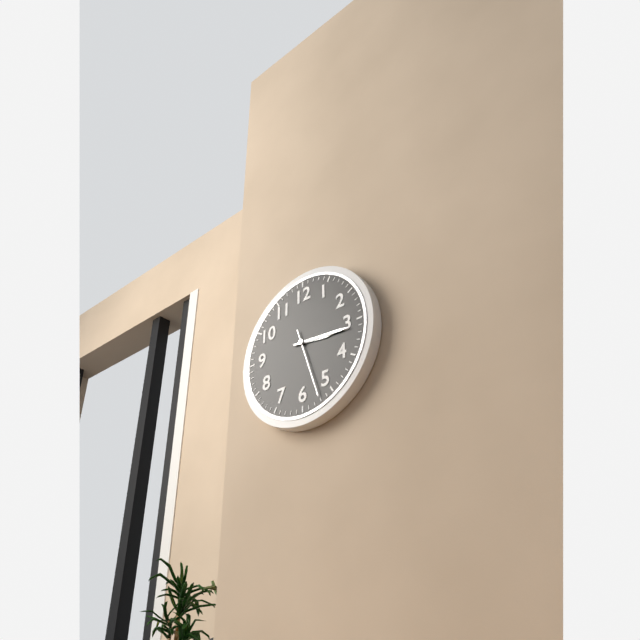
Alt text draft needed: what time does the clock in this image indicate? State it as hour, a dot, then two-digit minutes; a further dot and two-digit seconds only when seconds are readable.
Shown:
3.16.27
